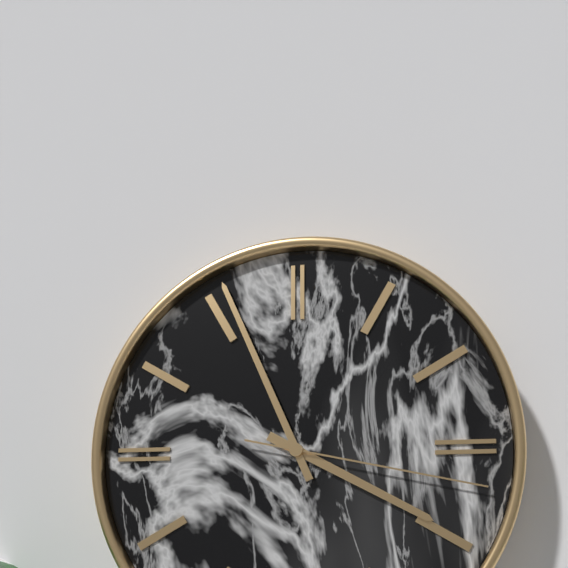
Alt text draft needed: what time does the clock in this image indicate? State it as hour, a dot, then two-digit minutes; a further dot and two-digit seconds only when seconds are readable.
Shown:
3.56.17
